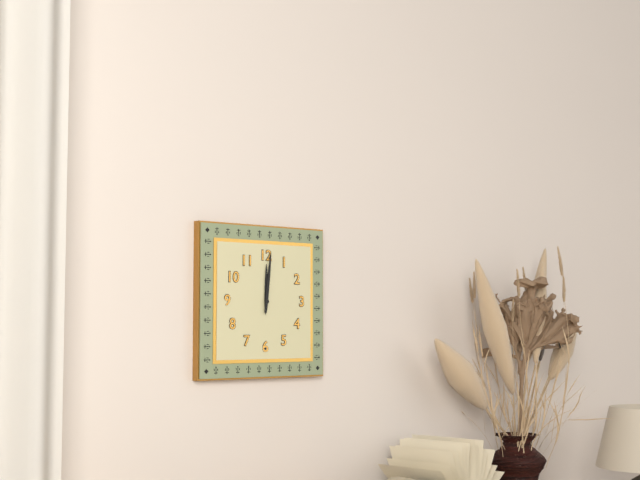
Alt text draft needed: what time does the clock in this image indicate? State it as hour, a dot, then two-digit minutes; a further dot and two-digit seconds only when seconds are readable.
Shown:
12.01
